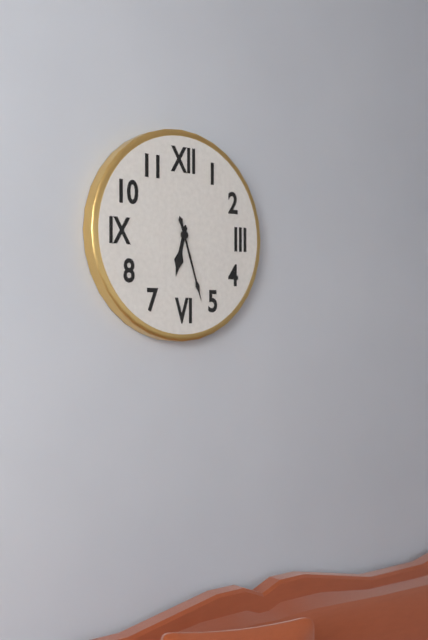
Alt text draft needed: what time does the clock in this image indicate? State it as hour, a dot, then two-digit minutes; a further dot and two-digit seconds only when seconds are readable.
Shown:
6.27
